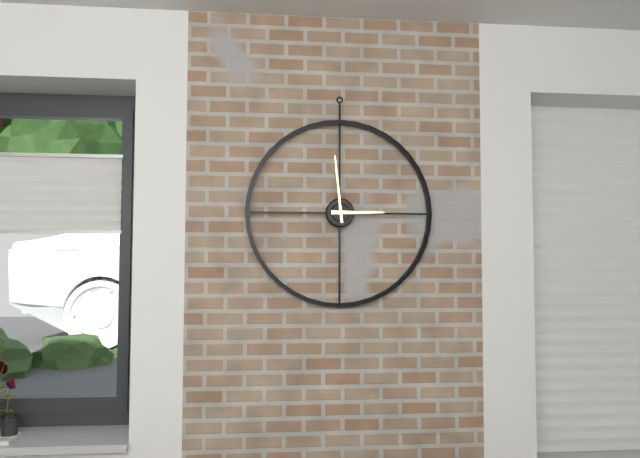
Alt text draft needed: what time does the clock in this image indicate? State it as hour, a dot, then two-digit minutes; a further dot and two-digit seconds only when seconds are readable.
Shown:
2.59
